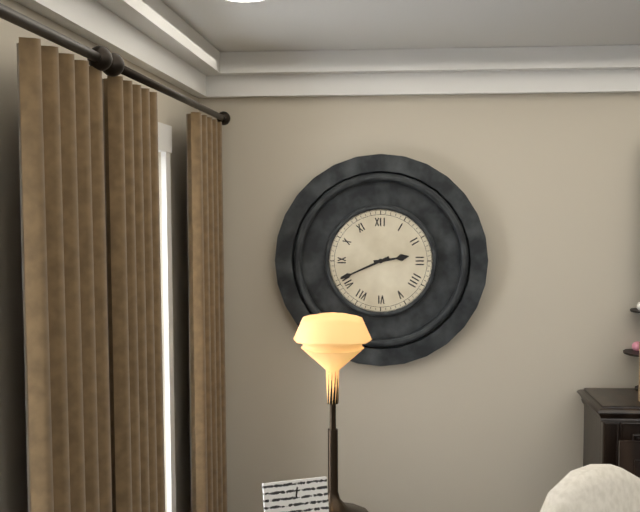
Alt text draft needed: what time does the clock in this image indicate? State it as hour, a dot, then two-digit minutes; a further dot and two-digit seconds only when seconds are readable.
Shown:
2.41
